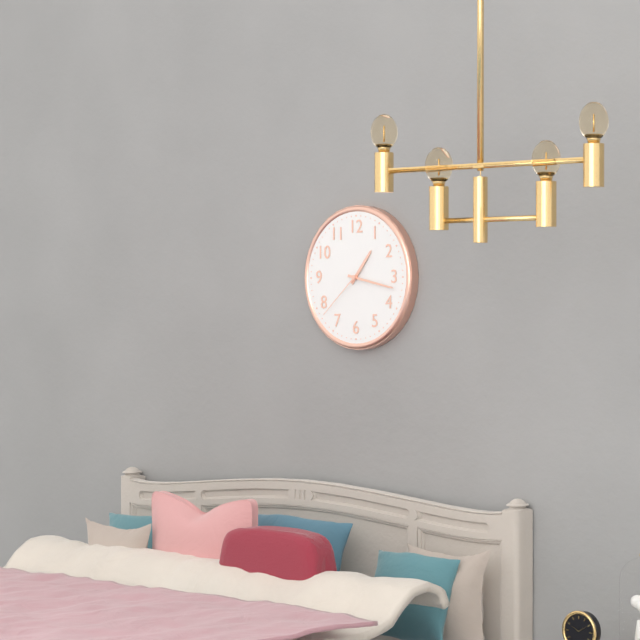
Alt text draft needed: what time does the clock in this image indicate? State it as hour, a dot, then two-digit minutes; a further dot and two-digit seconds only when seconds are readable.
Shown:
1.17.38
